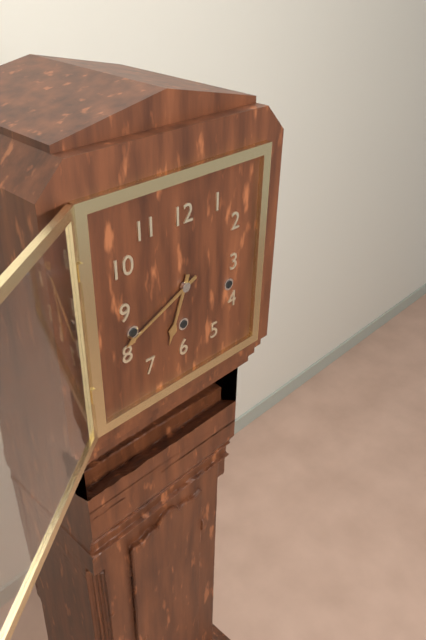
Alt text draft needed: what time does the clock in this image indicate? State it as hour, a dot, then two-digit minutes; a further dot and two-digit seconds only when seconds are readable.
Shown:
6.41
